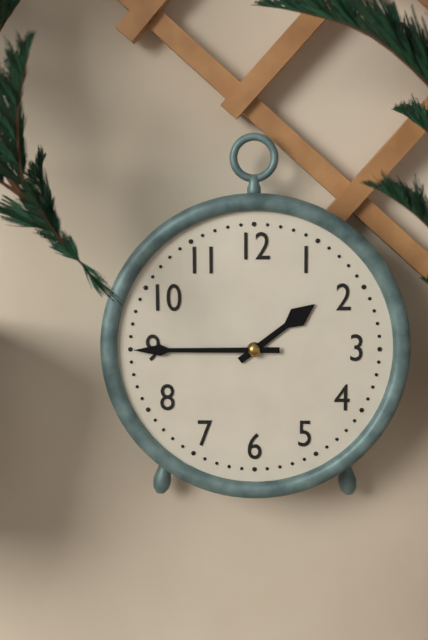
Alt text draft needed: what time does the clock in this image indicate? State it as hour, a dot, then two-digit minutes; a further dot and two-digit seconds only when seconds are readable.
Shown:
1.45
